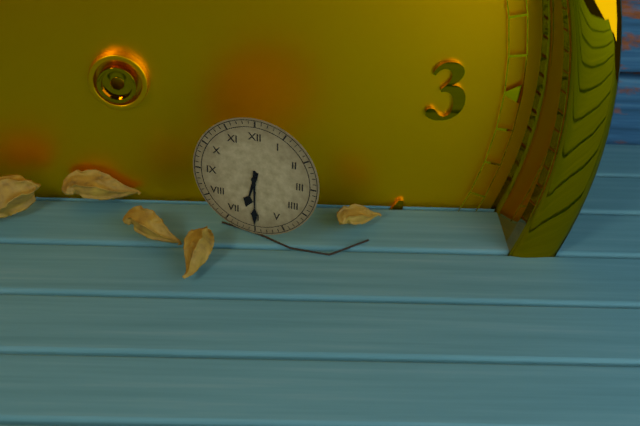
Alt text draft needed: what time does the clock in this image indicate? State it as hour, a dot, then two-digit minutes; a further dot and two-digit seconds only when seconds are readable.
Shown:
6.30
